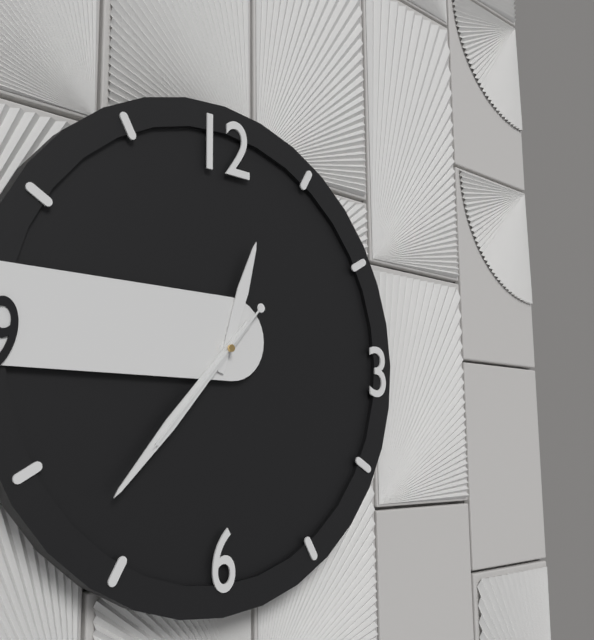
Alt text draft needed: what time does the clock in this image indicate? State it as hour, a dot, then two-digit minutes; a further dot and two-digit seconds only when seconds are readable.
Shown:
12.37.37
